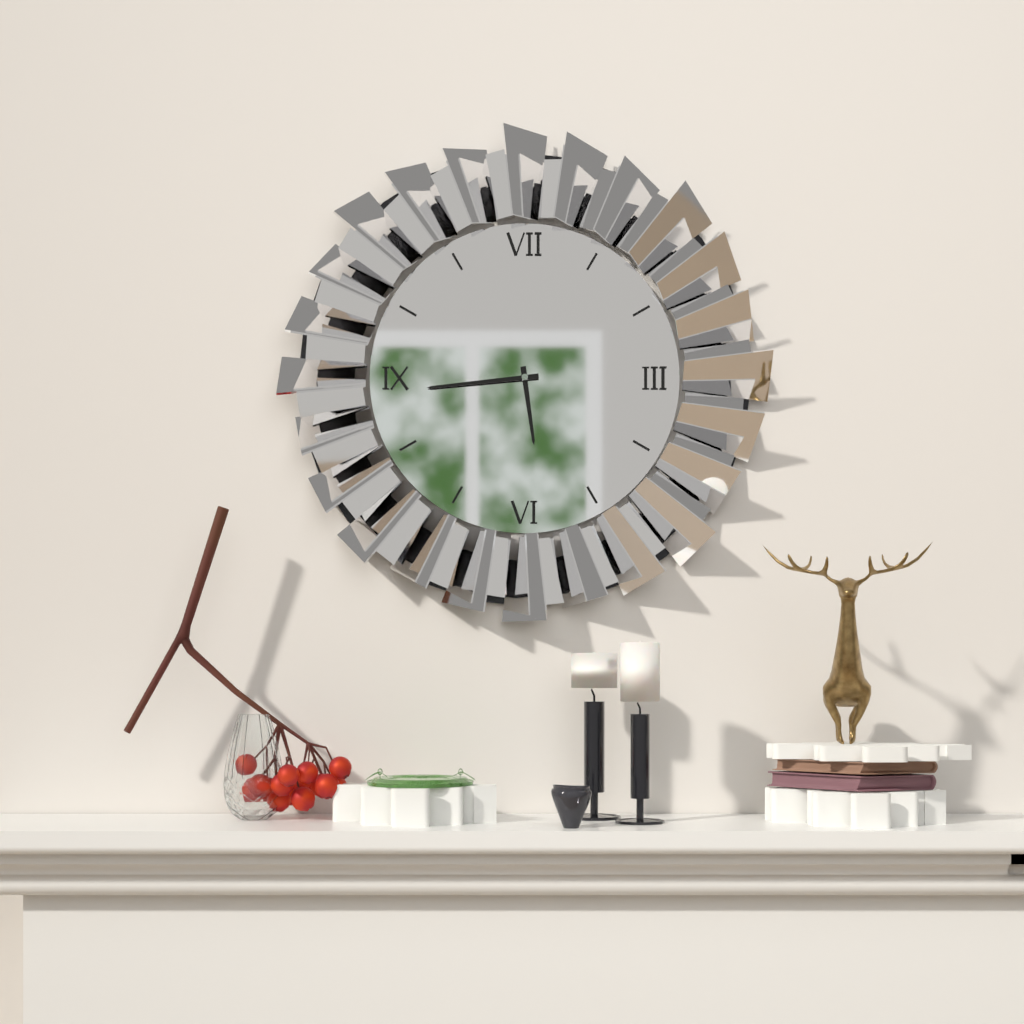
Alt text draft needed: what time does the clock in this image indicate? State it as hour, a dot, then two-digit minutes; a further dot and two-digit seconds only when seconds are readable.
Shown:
5.44
